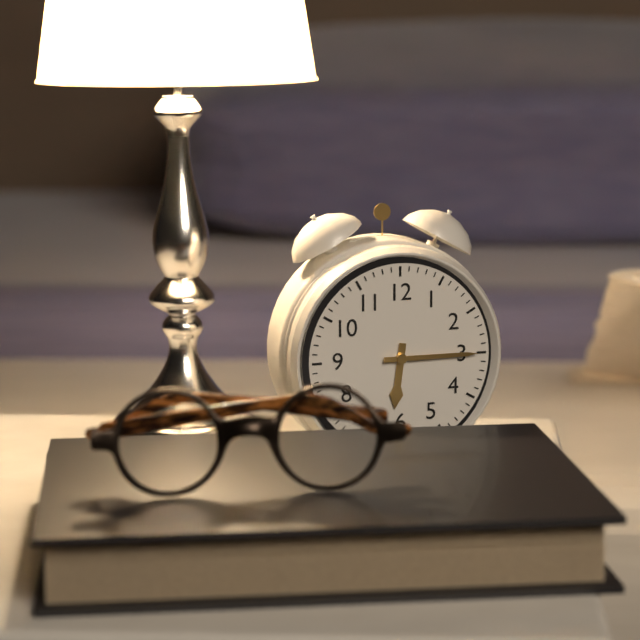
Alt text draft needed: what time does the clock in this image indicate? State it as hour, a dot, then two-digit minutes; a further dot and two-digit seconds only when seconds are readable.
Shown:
6.15
